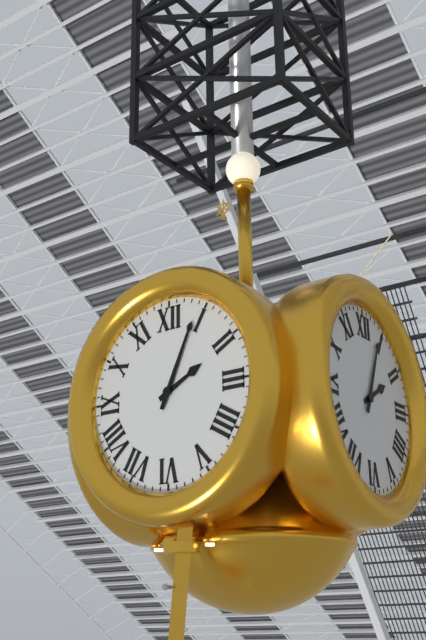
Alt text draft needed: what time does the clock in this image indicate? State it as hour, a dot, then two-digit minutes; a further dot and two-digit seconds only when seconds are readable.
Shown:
2.04
